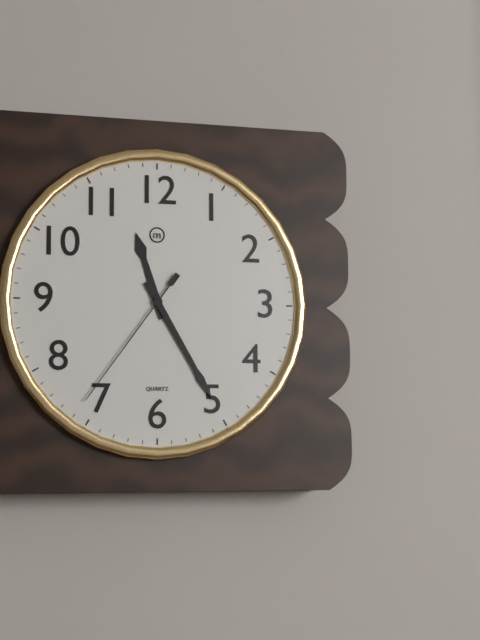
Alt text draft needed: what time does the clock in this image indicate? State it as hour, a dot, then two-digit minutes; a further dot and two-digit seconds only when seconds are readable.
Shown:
11.25.36
